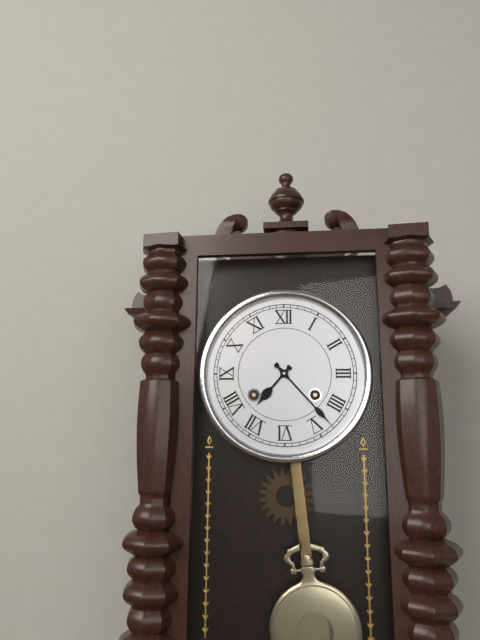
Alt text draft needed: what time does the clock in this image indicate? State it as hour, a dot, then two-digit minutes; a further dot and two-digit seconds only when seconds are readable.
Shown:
7.23
